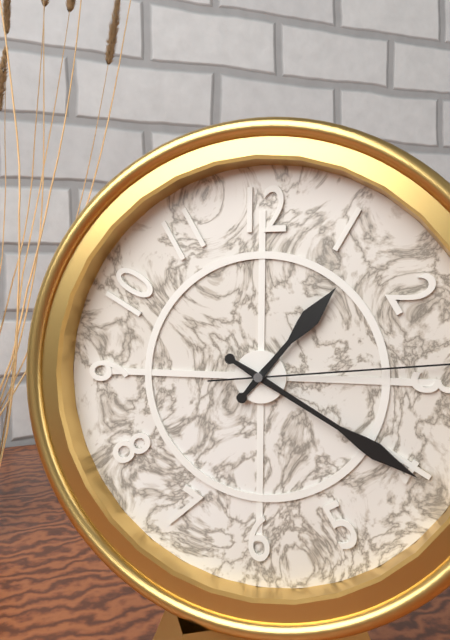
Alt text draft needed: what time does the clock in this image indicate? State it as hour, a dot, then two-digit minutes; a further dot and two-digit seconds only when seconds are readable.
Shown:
1.20
